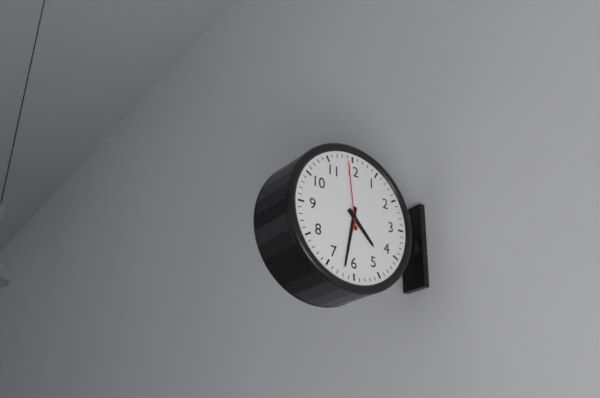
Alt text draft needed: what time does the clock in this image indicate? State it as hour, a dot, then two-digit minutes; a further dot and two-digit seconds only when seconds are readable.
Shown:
4.32.59
